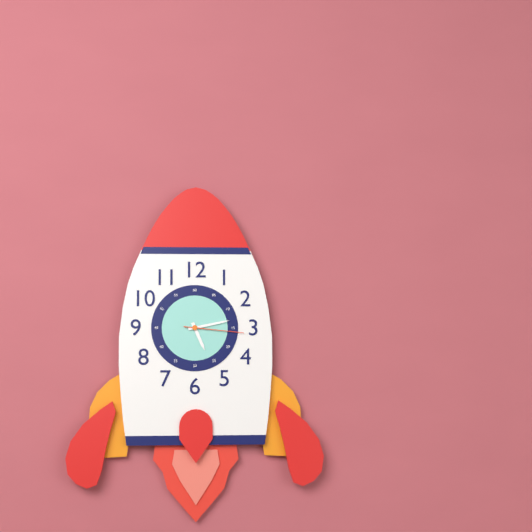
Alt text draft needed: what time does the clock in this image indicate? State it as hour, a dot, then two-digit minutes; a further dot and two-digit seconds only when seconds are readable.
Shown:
5.13.16
